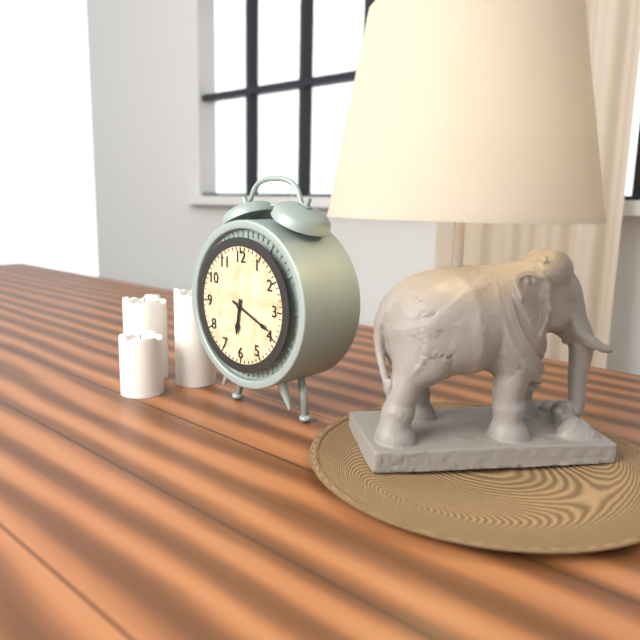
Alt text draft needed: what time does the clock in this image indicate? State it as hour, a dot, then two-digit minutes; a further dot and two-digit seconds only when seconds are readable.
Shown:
6.19
